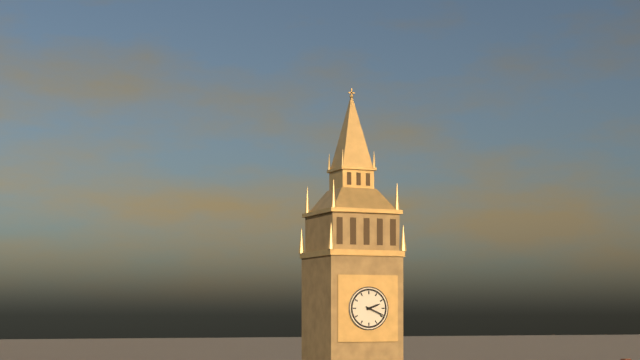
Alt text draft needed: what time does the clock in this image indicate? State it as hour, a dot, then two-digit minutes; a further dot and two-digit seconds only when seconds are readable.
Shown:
2.19
